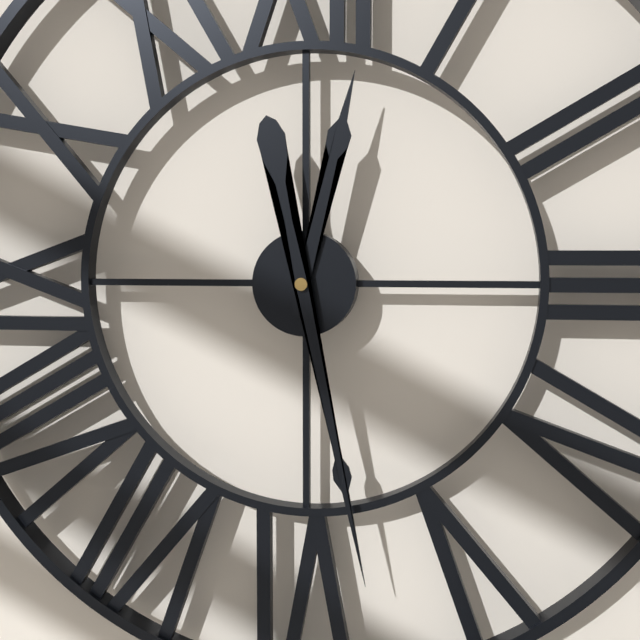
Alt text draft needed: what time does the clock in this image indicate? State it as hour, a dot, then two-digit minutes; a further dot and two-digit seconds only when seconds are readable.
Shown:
12.28
